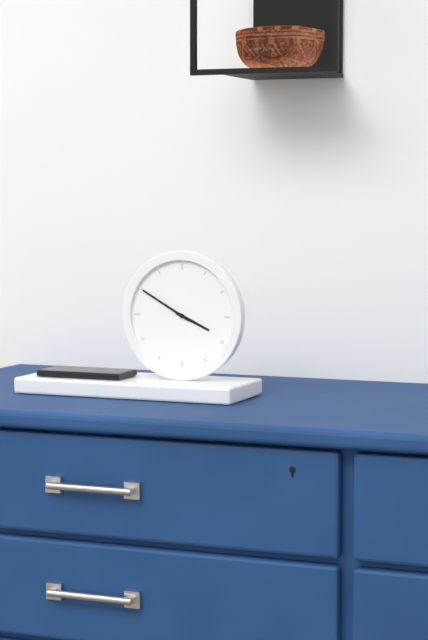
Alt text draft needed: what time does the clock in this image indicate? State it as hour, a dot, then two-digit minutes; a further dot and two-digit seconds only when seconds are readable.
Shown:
3.50
